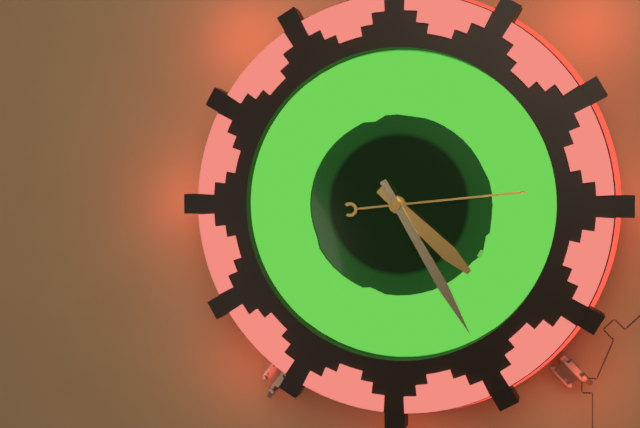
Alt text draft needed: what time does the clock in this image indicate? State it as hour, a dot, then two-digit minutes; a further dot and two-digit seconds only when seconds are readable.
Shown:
4.25.14
